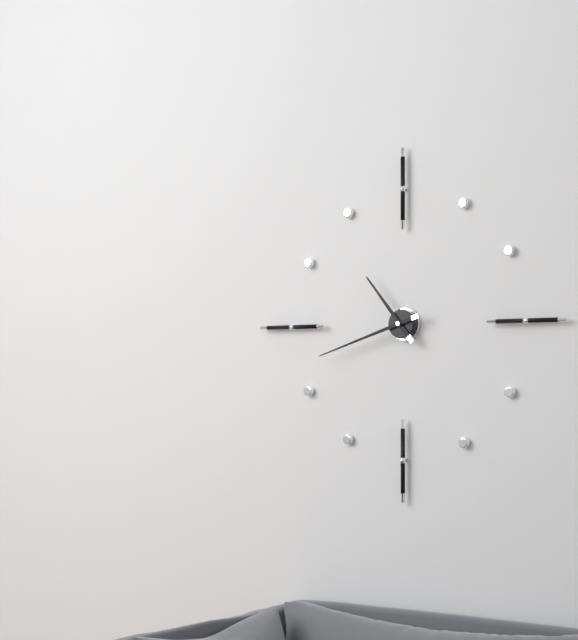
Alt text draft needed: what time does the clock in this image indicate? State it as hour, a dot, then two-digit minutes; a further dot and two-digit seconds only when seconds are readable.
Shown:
10.42
